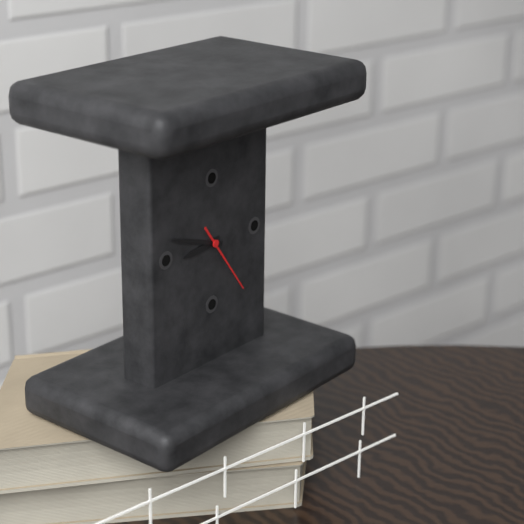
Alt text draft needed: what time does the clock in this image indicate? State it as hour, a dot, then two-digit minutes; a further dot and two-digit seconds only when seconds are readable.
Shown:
8.48.24
